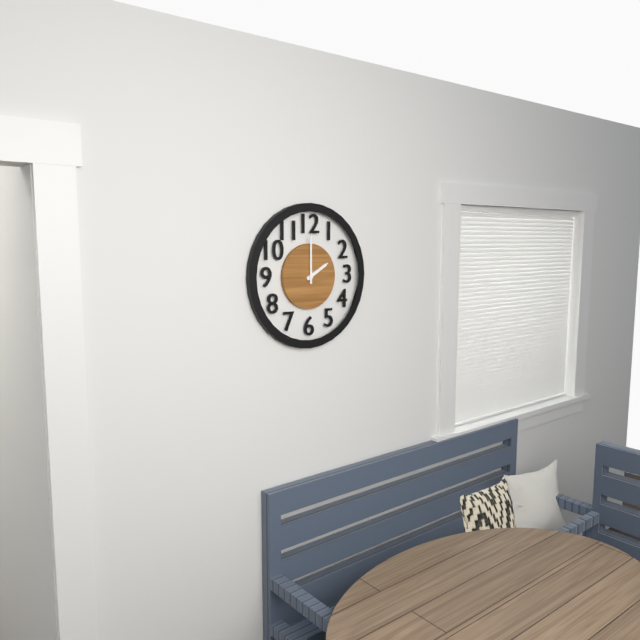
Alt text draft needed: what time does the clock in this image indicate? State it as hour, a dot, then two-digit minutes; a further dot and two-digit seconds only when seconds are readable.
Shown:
2.00
